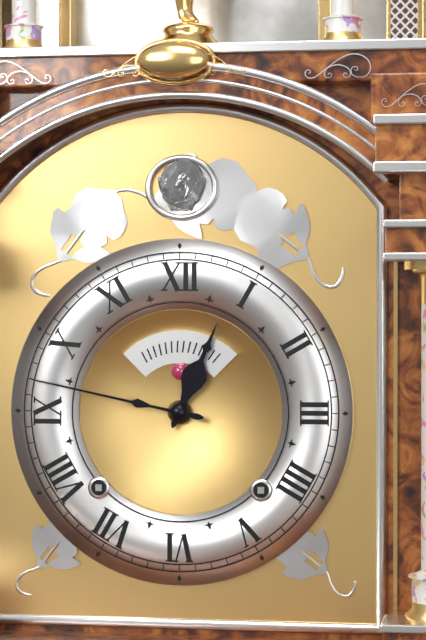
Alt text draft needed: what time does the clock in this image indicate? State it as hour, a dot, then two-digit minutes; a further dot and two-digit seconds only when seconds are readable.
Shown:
12.47
